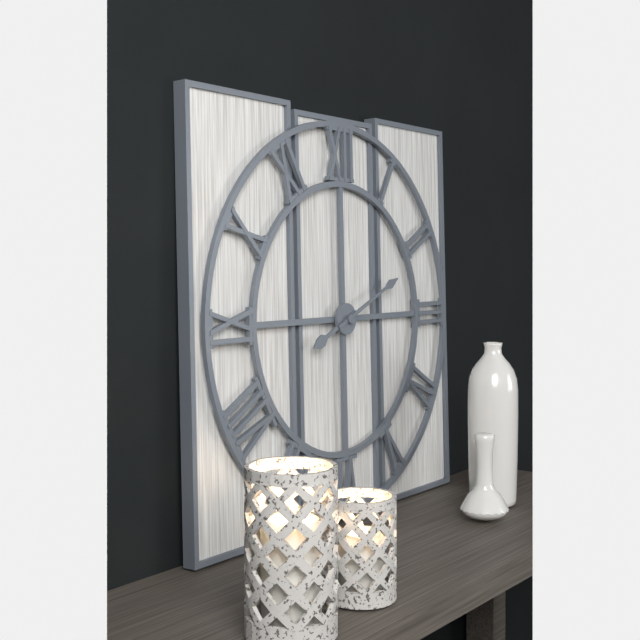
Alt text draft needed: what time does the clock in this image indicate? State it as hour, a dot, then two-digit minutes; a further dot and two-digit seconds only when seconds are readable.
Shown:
8.11
